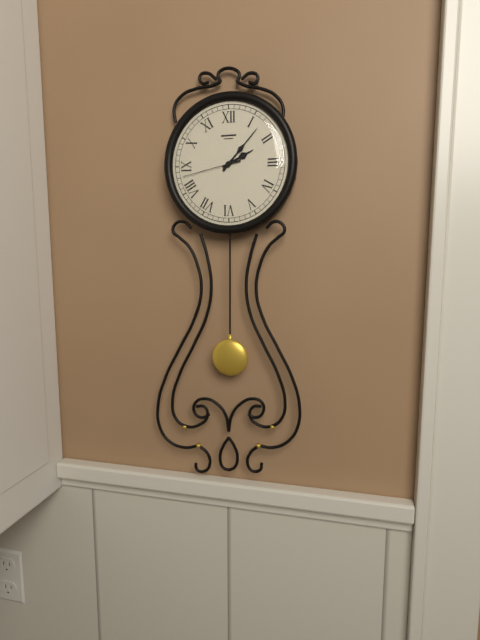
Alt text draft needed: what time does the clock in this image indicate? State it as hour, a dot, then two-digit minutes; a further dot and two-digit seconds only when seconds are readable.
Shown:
2.07.43
